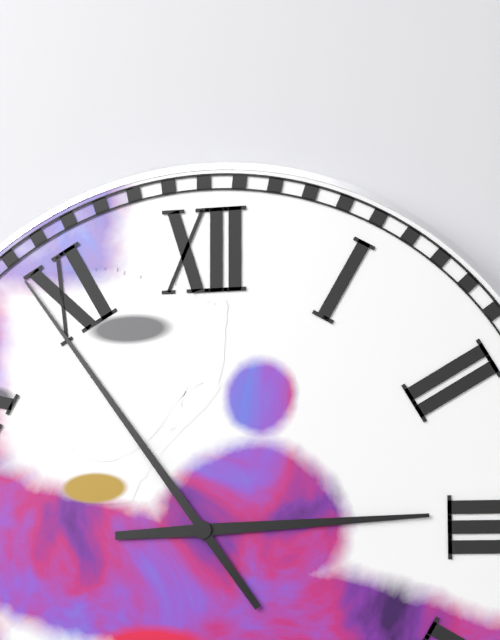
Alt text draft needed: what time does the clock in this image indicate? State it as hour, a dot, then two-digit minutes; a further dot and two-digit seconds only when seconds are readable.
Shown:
2.54
